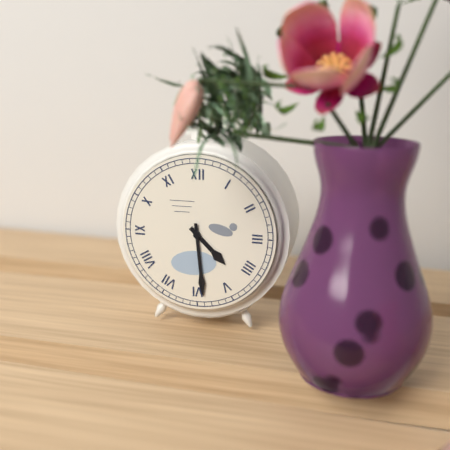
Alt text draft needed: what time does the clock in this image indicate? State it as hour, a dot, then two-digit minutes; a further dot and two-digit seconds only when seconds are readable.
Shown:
4.29
